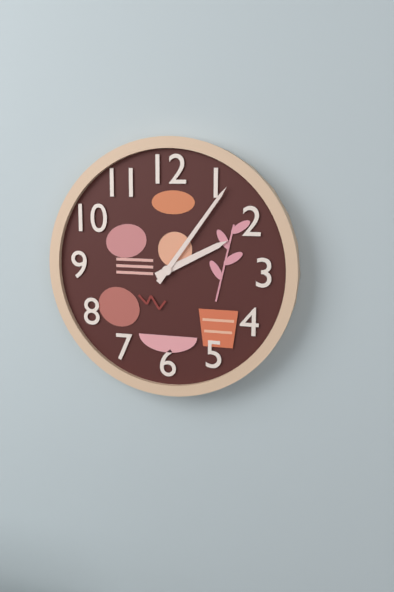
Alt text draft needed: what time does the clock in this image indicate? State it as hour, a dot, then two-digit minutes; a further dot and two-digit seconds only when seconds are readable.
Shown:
2.06
